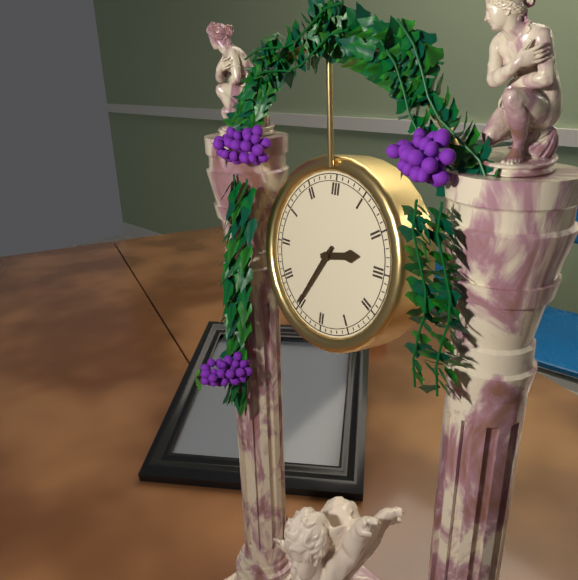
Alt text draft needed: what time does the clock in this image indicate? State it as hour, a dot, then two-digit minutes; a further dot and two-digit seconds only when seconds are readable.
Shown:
2.35
